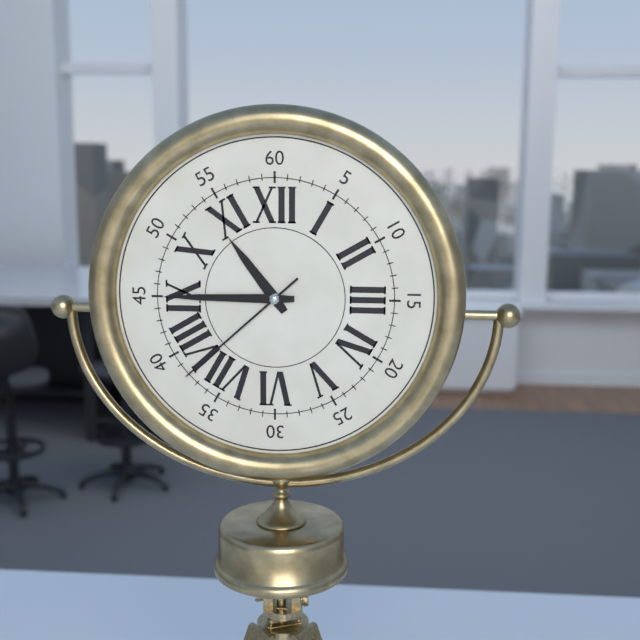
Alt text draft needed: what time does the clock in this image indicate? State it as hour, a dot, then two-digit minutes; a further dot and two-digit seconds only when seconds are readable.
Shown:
10.45.38
